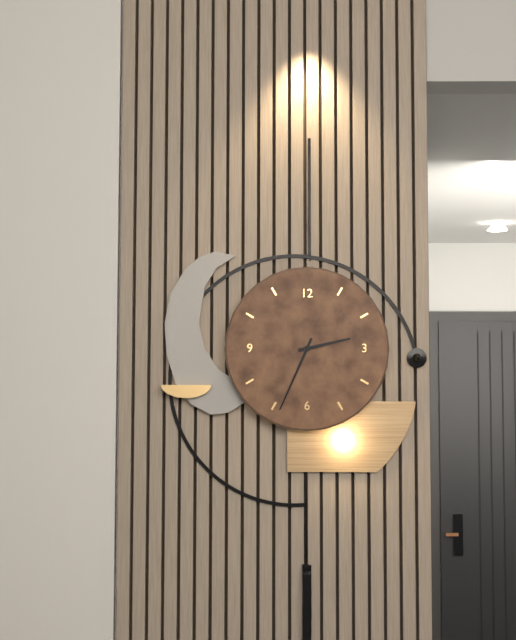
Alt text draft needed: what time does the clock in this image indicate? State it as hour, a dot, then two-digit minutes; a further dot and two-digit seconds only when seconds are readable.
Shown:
2.34
